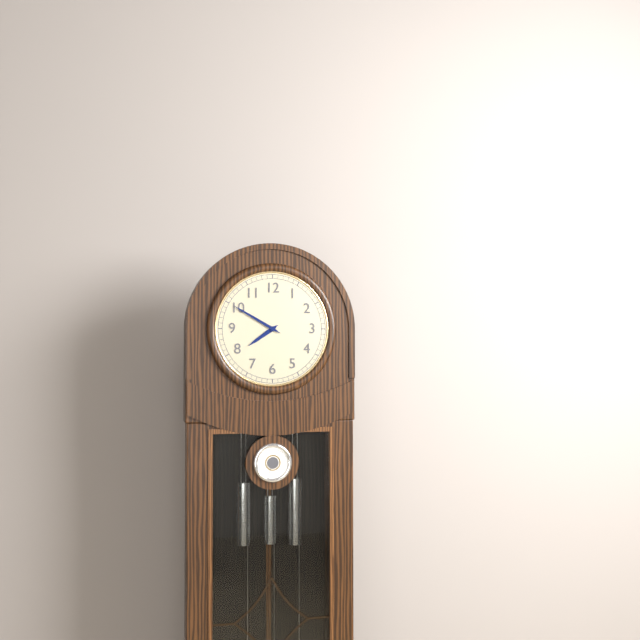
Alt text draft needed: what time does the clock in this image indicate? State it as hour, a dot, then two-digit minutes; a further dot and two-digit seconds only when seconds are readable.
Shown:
7.50
